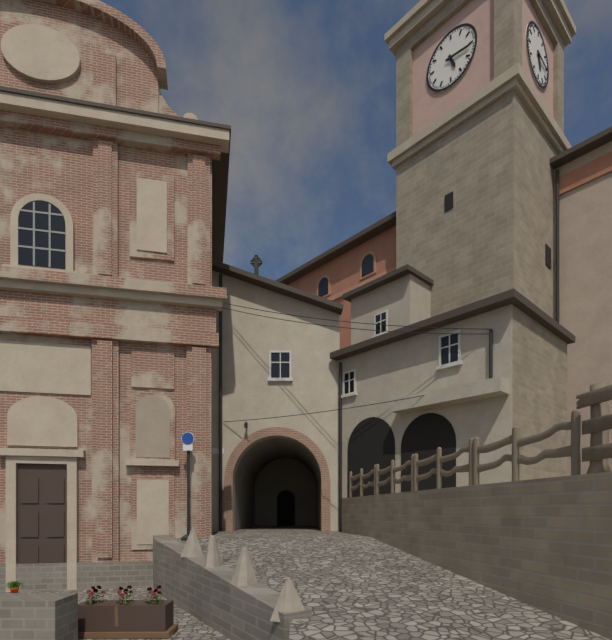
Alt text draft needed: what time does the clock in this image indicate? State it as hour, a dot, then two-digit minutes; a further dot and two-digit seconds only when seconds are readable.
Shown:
5.16
